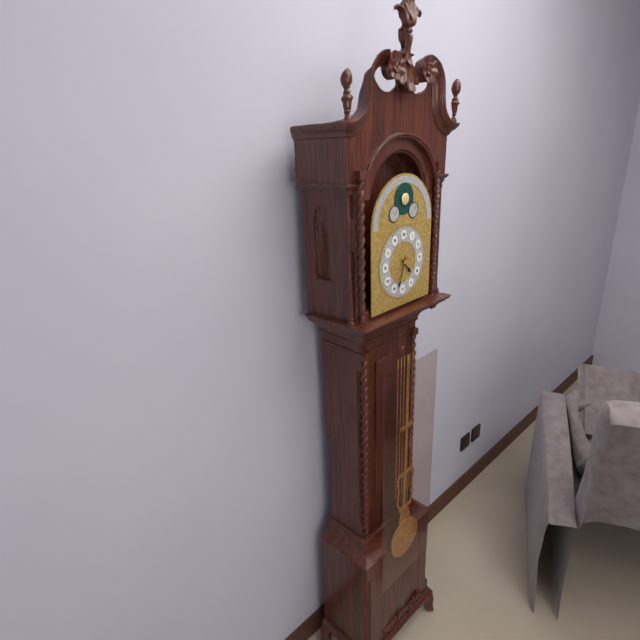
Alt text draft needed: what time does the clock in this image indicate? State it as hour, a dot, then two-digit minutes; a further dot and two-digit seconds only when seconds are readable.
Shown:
4.33
